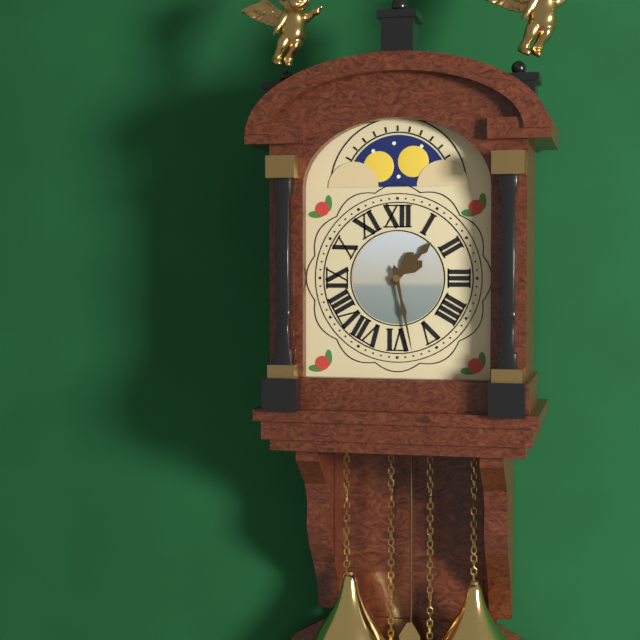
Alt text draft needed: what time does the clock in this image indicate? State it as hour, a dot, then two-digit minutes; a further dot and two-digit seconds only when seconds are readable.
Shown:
1.28
